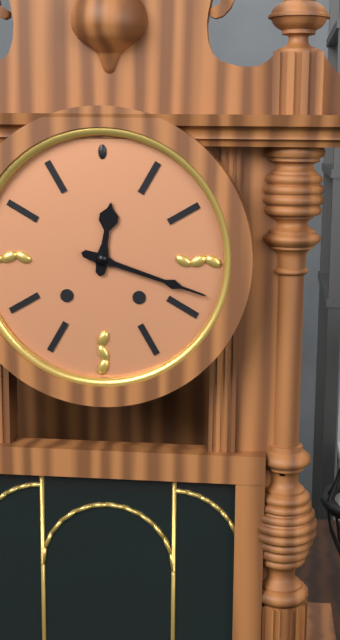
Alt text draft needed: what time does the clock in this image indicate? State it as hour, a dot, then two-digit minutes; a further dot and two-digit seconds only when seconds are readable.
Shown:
12.18
